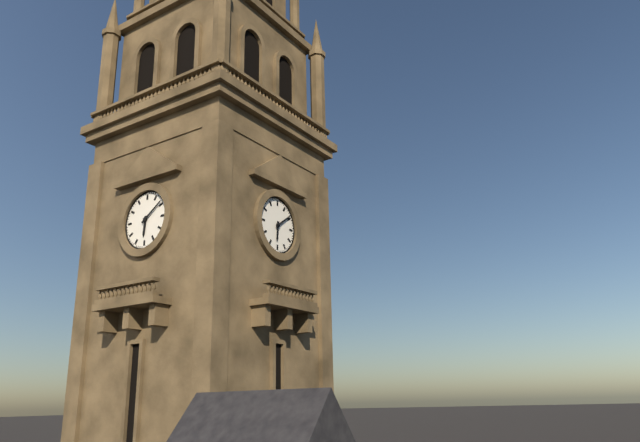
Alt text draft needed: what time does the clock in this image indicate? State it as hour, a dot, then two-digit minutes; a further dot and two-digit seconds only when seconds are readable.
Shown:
6.09
